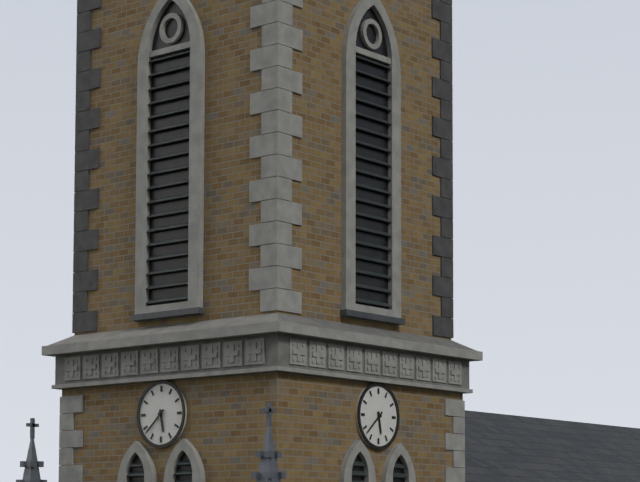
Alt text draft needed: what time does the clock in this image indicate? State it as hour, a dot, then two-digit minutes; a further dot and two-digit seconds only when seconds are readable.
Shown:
5.38
